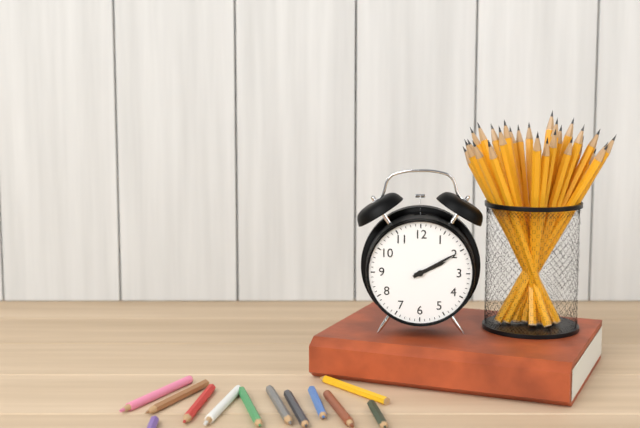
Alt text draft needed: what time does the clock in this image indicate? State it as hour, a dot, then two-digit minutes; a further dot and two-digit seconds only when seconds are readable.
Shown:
2.10
